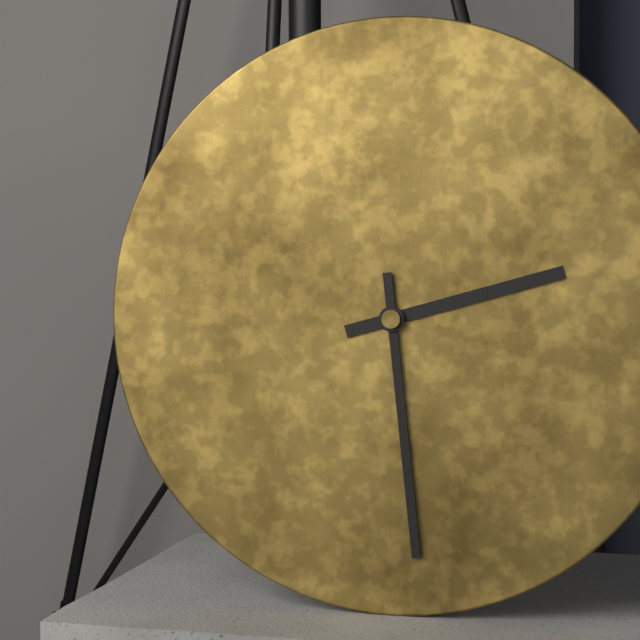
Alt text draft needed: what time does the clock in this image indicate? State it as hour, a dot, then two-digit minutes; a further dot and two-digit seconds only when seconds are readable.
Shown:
2.29
